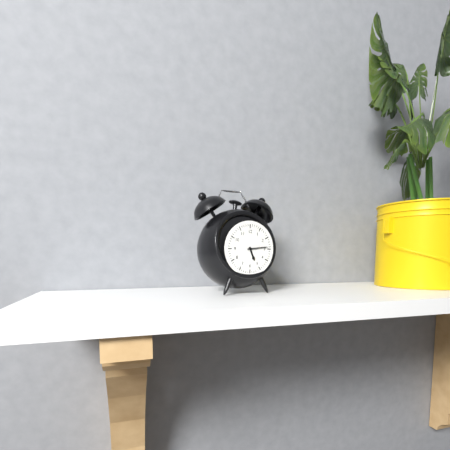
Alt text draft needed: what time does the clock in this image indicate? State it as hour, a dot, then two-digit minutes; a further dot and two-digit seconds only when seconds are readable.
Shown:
5.14
